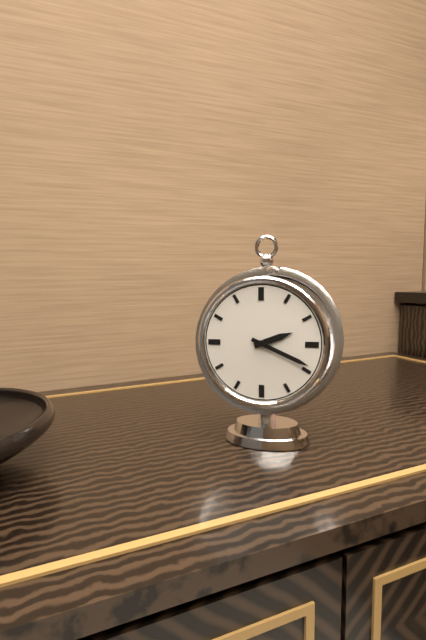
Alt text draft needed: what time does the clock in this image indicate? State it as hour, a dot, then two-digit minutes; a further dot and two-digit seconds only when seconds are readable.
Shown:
2.19
